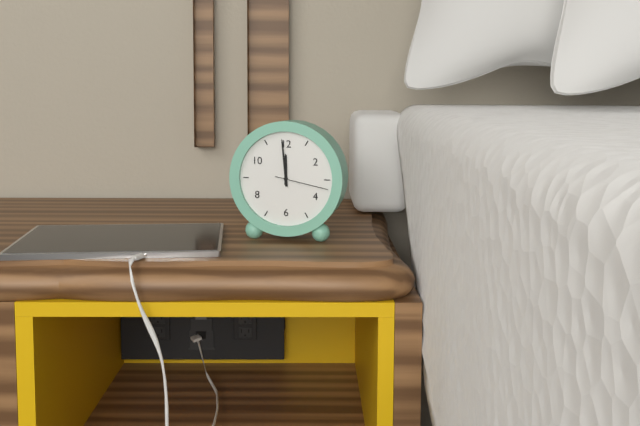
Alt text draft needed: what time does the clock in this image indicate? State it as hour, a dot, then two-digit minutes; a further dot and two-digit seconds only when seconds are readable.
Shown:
11.59.17
